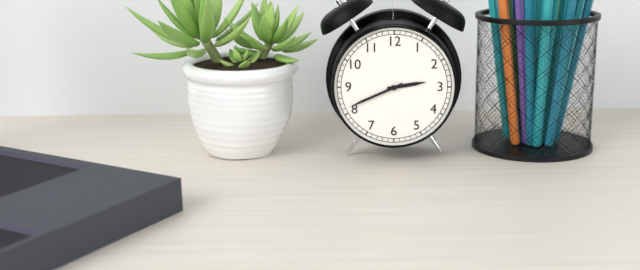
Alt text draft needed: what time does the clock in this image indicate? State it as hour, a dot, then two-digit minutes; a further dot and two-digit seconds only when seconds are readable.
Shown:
2.41
